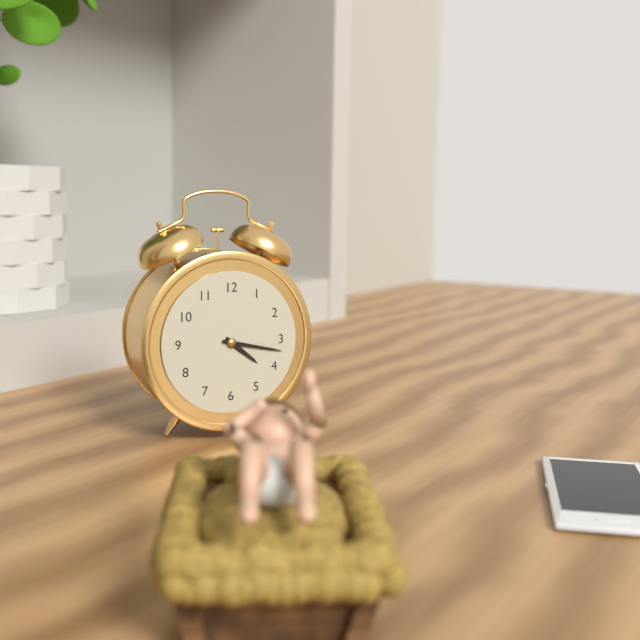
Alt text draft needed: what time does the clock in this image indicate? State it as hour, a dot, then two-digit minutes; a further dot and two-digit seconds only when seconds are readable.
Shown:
4.17
